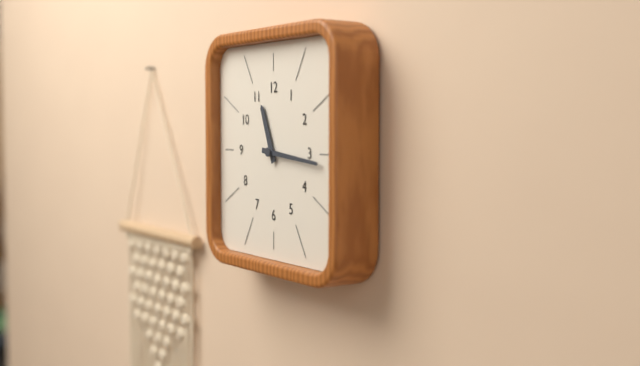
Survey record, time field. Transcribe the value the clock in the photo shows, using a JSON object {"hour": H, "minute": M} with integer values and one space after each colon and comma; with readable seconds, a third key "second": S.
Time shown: {"hour": 11, "minute": 16}
